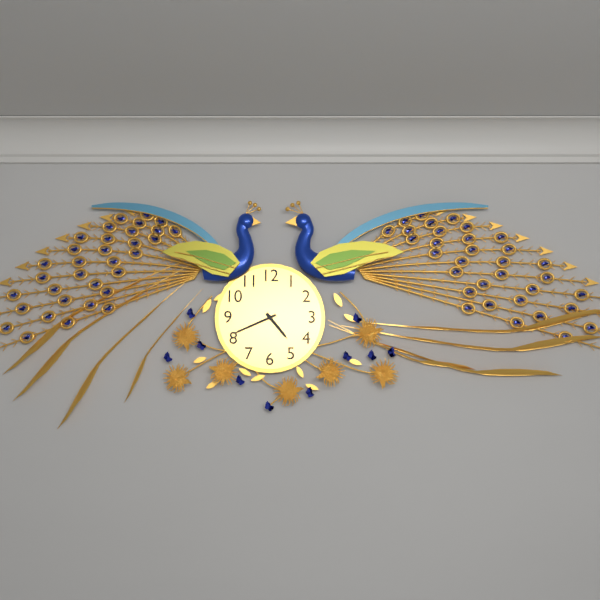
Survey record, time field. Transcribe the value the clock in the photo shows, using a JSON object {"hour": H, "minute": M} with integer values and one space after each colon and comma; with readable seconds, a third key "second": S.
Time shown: {"hour": 4, "minute": 41}
